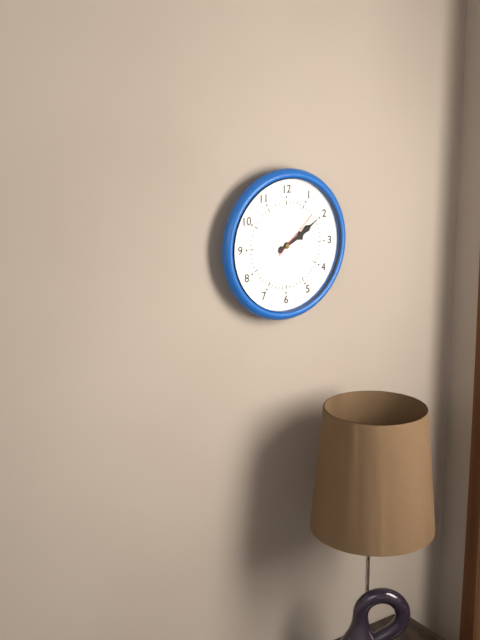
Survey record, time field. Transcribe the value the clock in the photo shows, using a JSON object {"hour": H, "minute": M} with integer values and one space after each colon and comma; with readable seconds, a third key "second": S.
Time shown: {"hour": 2, "minute": 10}
